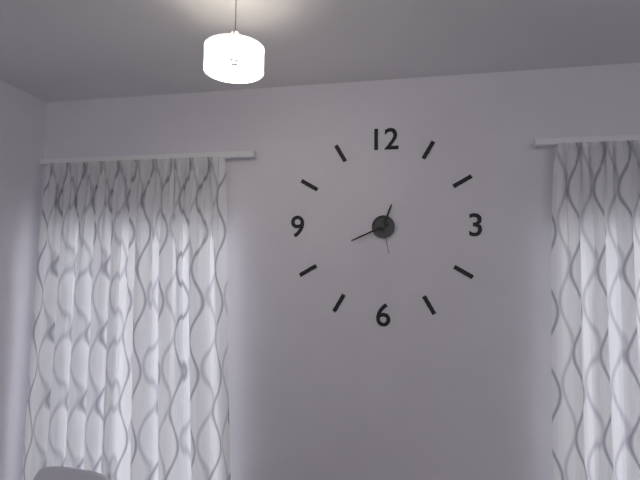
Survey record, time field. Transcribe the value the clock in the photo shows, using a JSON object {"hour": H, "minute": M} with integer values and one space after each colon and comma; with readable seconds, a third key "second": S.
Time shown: {"hour": 12, "minute": 41}
